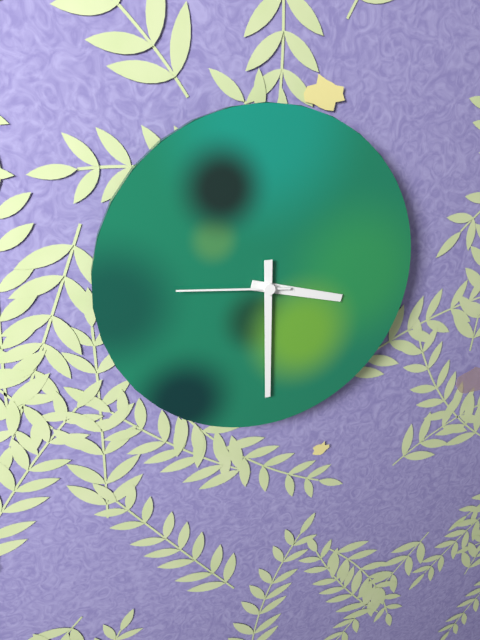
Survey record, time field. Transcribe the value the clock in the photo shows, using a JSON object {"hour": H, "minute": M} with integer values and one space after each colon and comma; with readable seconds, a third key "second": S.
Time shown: {"hour": 3, "minute": 30, "second": 46}
